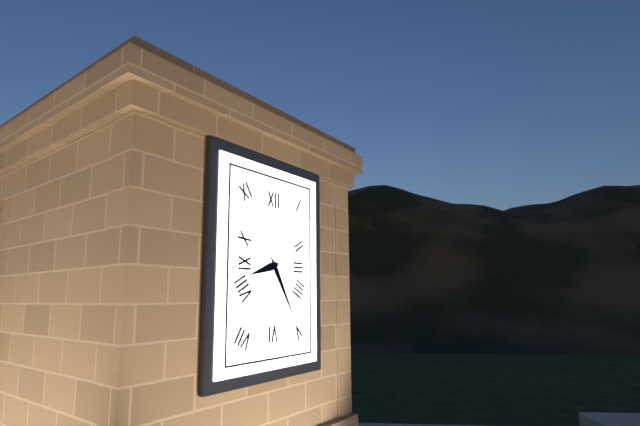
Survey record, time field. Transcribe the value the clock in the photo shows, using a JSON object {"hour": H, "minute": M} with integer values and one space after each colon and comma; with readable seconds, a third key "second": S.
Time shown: {"hour": 8, "minute": 25}
